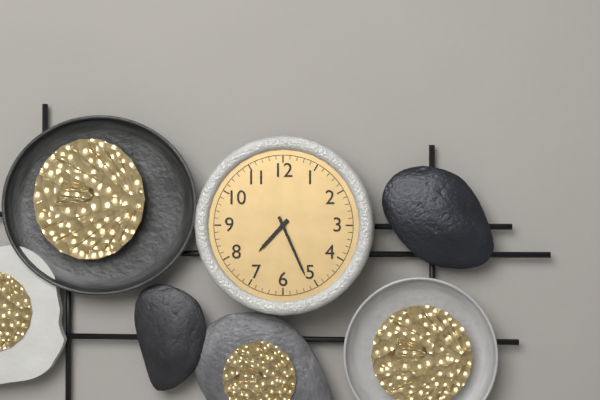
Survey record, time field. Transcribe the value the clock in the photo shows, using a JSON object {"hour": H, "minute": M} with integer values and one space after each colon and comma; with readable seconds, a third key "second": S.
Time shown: {"hour": 7, "minute": 26}
